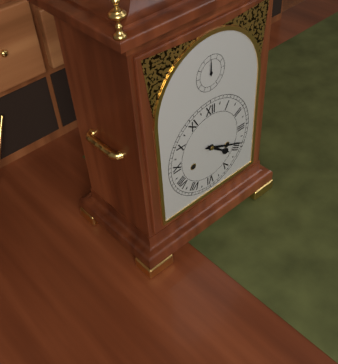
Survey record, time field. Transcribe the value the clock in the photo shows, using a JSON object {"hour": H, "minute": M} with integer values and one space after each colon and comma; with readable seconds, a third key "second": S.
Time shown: {"hour": 4, "minute": 19}
